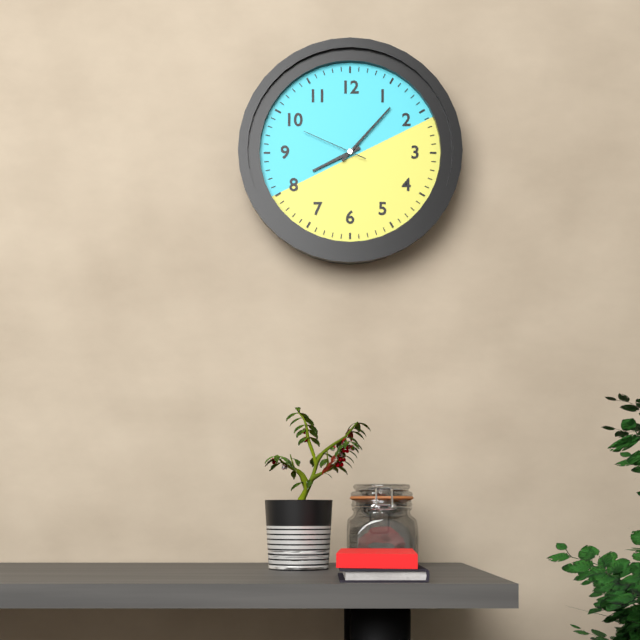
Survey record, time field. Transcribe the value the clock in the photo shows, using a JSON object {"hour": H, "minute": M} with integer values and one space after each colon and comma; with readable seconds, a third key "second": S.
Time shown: {"hour": 8, "minute": 7, "second": 49}
